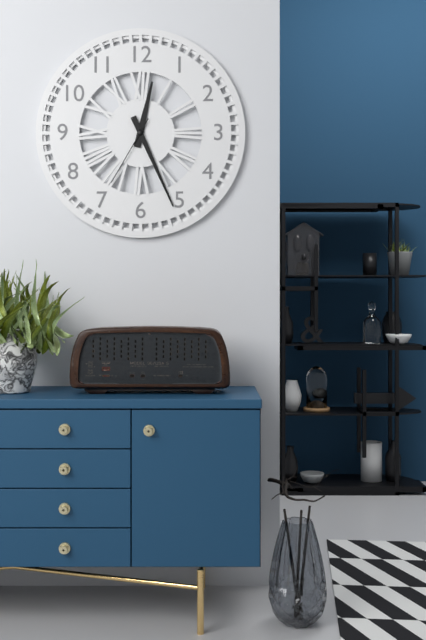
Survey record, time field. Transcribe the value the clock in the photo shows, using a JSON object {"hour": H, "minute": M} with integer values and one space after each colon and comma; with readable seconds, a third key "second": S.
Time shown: {"hour": 12, "minute": 26, "second": 35}
